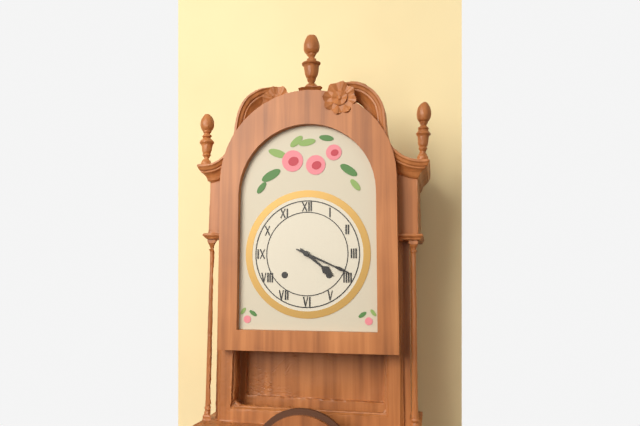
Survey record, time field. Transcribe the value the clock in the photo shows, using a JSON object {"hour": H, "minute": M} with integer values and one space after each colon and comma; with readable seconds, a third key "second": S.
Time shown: {"hour": 4, "minute": 19}
